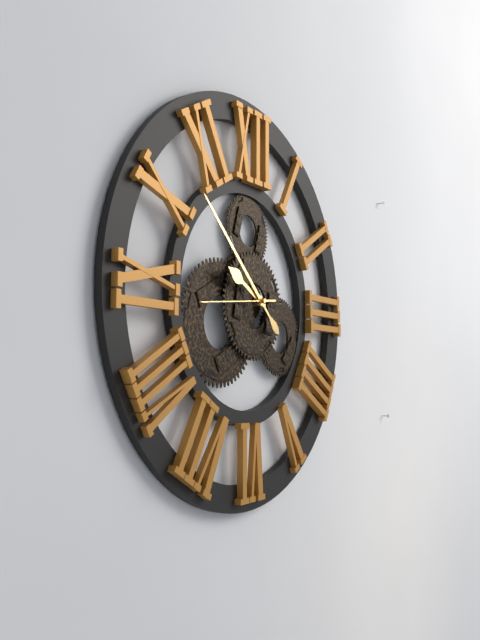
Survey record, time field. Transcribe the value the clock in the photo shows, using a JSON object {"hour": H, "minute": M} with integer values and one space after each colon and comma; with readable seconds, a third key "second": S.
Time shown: {"hour": 9, "minute": 52, "second": 44}
